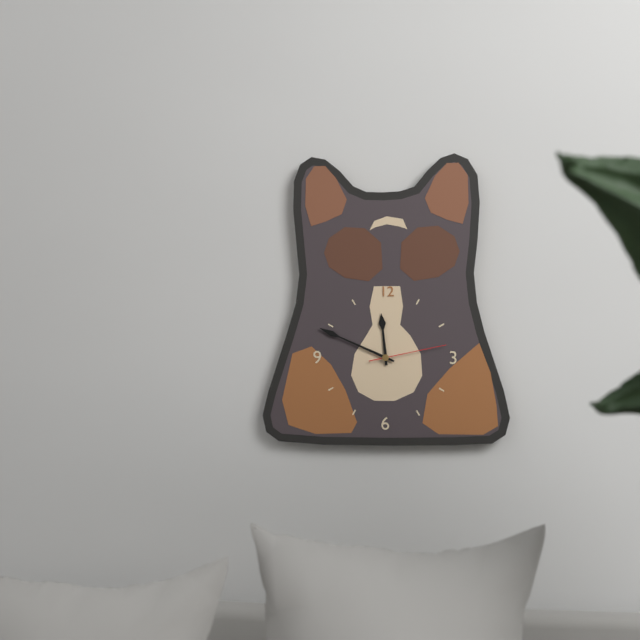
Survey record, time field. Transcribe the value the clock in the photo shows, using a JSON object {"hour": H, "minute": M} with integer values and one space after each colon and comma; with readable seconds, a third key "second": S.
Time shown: {"hour": 11, "minute": 49, "second": 13}
